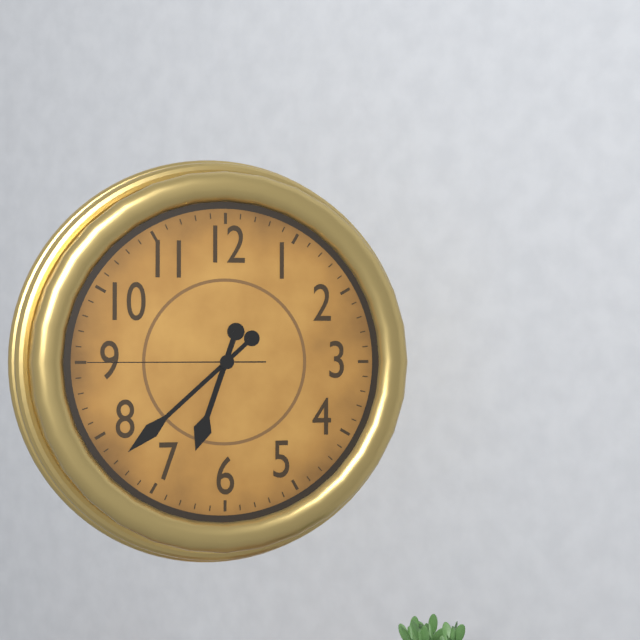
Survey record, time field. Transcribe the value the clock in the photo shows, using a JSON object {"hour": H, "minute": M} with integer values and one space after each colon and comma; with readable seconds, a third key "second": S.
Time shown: {"hour": 6, "minute": 38, "second": 45}
